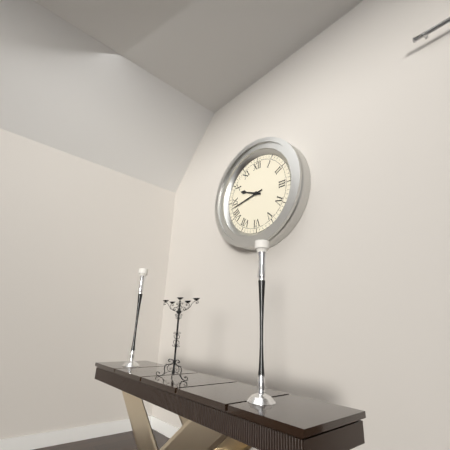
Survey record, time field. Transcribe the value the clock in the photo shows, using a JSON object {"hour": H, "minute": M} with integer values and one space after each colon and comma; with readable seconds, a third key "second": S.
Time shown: {"hour": 9, "minute": 43}
